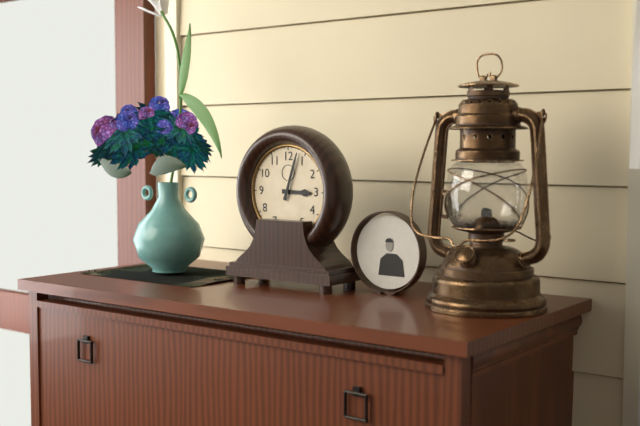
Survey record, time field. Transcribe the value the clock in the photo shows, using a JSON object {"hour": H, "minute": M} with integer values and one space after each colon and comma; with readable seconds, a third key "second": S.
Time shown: {"hour": 3, "minute": 3}
